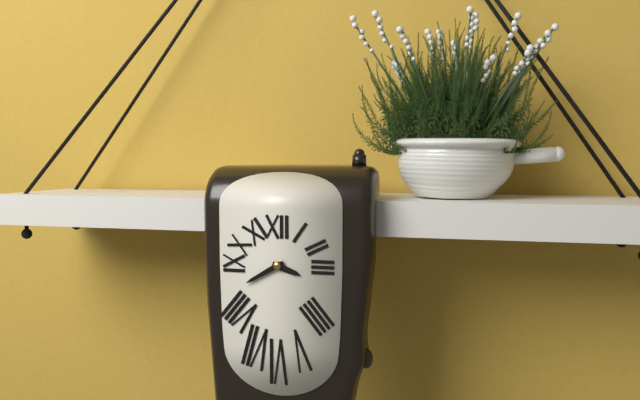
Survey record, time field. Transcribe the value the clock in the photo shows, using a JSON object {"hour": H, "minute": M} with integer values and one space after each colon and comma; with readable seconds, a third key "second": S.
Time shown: {"hour": 3, "minute": 40}
